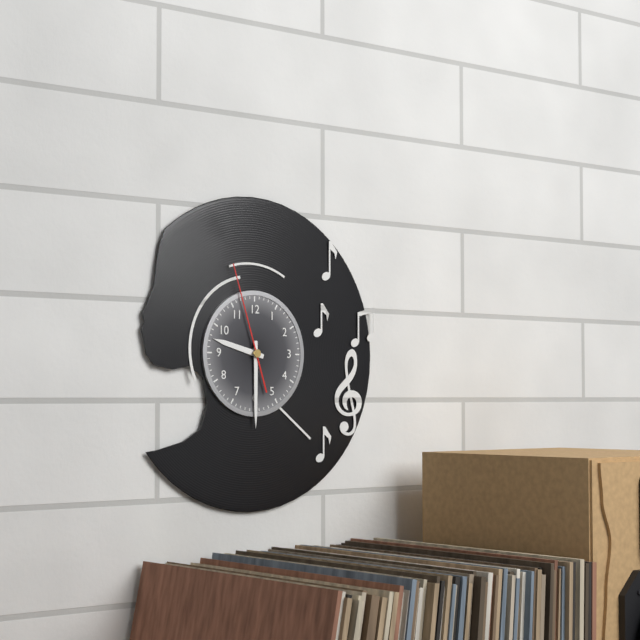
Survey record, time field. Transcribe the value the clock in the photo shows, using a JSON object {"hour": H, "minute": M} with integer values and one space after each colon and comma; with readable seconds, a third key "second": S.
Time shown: {"hour": 9, "minute": 30, "second": 57}
